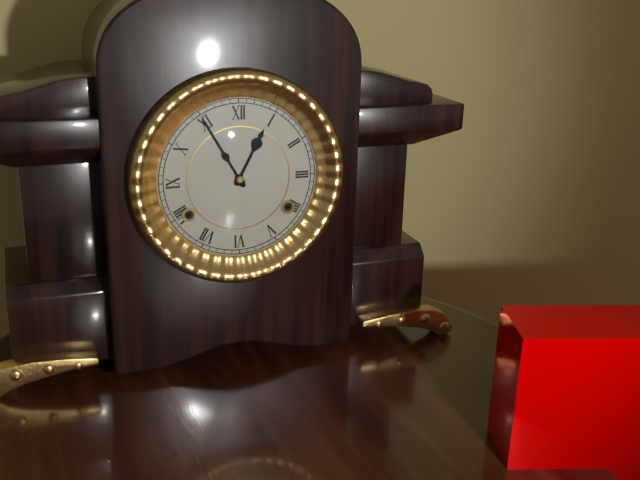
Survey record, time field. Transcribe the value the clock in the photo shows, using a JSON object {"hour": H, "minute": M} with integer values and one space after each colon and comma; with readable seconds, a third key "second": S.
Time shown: {"hour": 12, "minute": 55}
